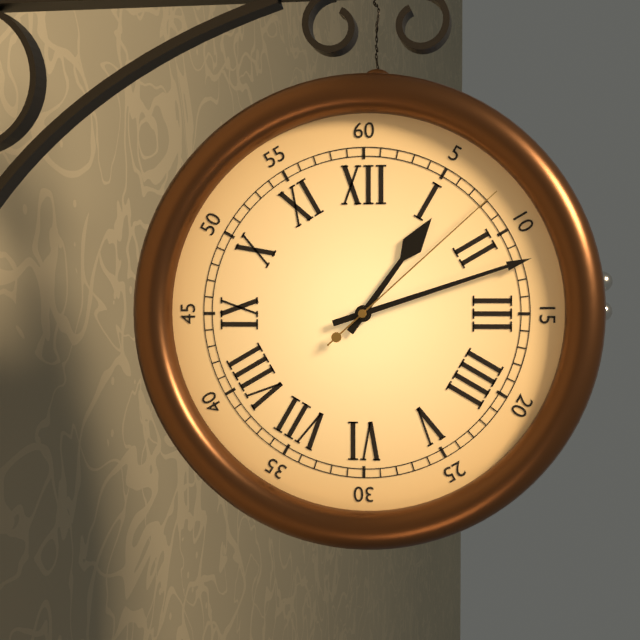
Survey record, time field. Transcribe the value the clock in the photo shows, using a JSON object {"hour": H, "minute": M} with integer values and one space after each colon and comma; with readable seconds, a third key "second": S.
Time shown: {"hour": 1, "minute": 12, "second": 8}
